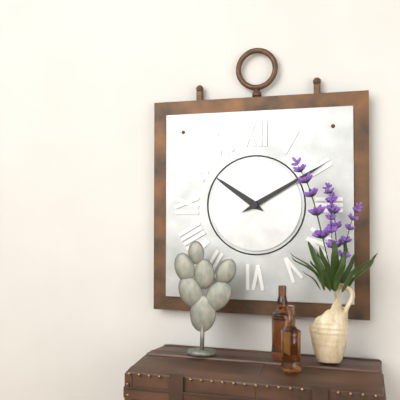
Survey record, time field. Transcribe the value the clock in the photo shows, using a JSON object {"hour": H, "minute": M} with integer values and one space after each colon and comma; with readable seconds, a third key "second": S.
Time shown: {"hour": 10, "minute": 10}
